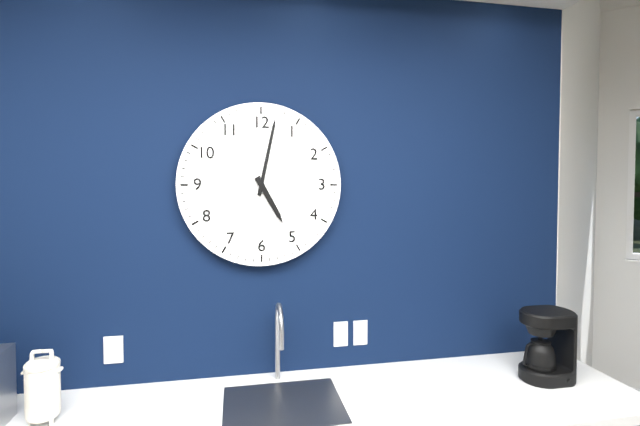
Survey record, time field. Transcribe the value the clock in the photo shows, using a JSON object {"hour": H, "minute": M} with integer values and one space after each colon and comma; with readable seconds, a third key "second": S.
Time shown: {"hour": 5, "minute": 2}
